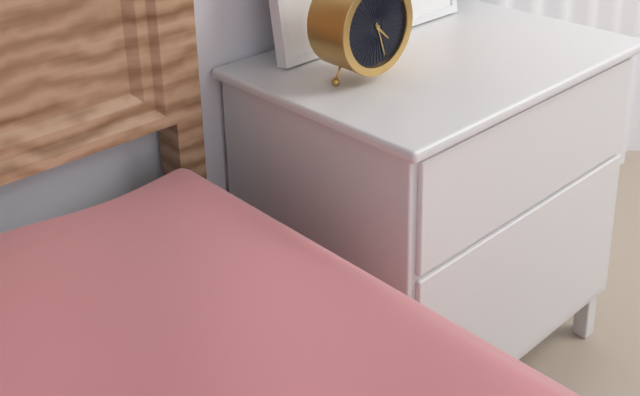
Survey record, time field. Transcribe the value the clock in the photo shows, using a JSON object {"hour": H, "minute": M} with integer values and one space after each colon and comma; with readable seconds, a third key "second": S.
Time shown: {"hour": 4, "minute": 27}
